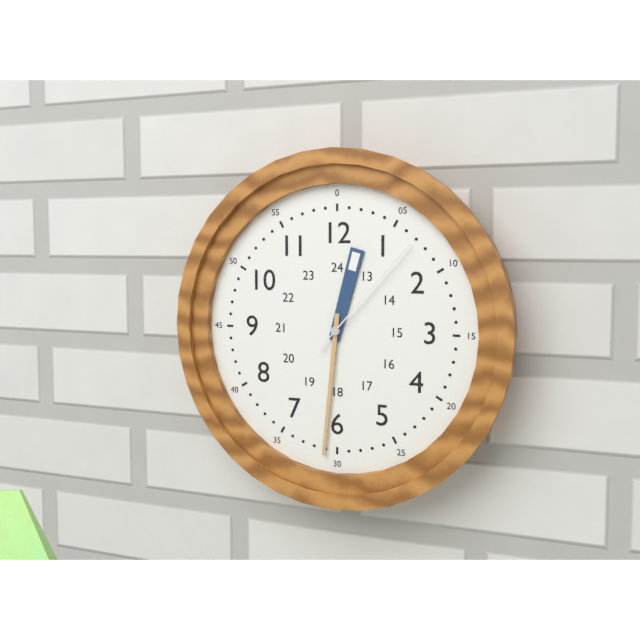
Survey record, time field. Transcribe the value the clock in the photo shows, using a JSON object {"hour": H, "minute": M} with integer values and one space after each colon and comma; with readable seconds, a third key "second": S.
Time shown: {"hour": 12, "minute": 31, "second": 7}
